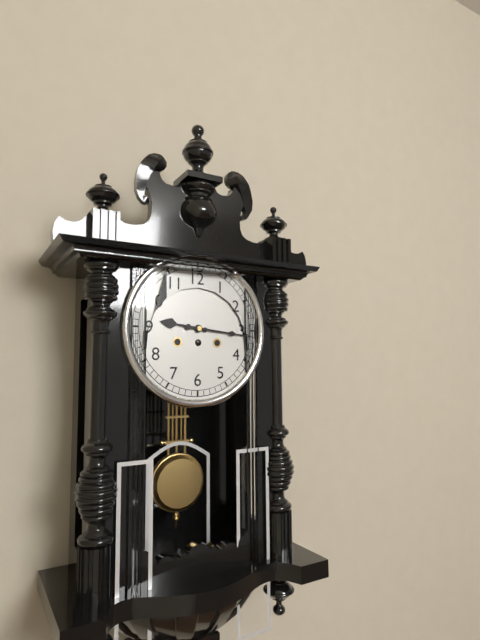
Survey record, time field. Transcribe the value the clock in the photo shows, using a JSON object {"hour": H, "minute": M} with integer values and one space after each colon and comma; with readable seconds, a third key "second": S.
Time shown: {"hour": 9, "minute": 16}
